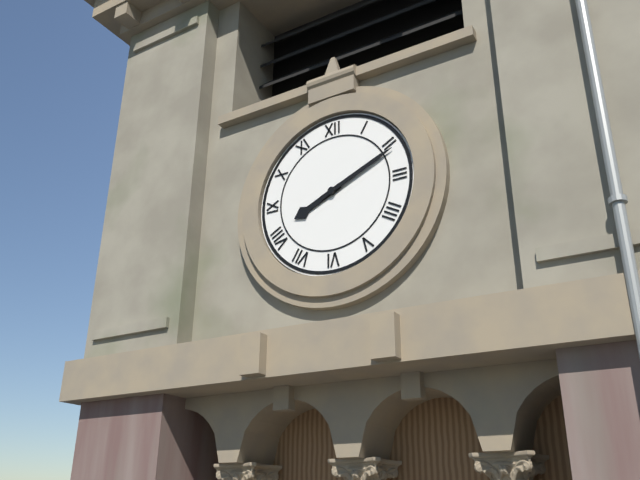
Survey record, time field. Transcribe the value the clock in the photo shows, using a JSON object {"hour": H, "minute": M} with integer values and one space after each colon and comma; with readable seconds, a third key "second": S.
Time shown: {"hour": 8, "minute": 11}
